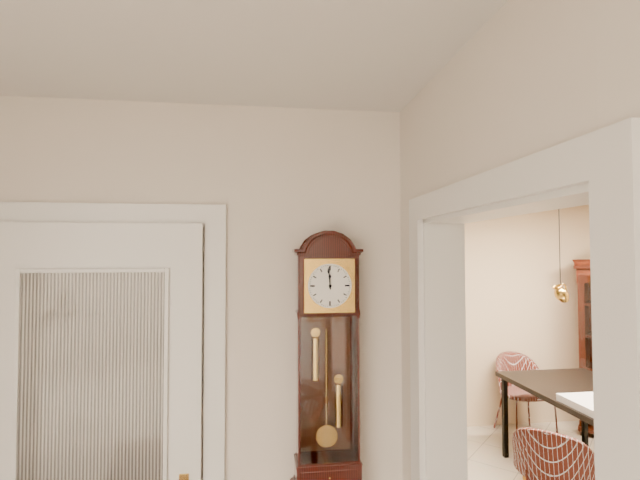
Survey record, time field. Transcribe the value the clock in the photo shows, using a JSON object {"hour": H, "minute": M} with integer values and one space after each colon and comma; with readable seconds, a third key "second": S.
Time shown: {"hour": 11, "minute": 59}
